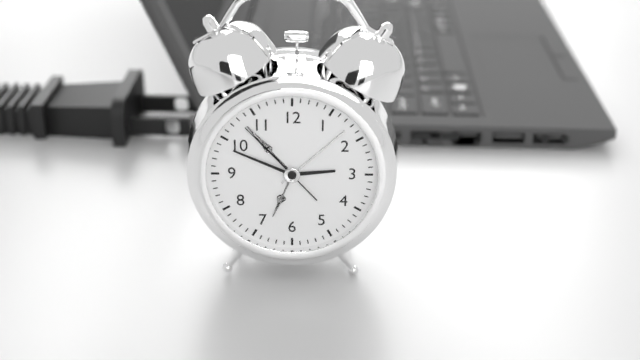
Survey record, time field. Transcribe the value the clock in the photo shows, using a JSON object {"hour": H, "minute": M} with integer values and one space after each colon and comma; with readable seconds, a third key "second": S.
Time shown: {"hour": 2, "minute": 49, "second": 53}
